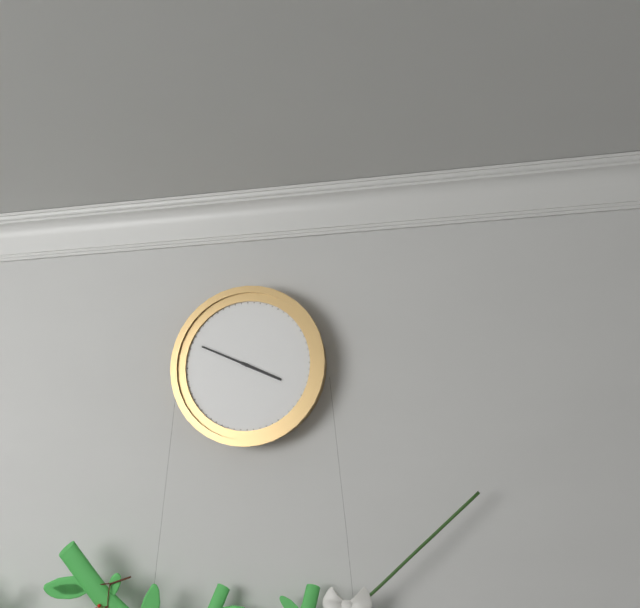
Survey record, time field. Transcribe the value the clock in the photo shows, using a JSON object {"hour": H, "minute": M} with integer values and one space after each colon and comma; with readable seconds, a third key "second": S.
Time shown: {"hour": 3, "minute": 49}
